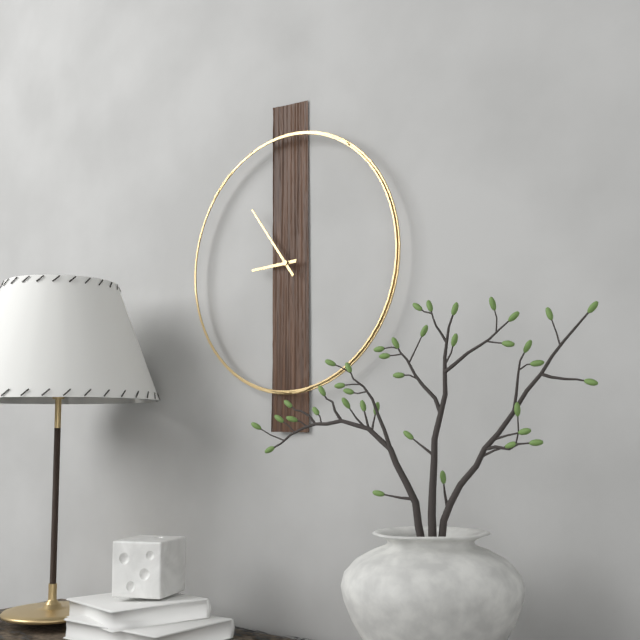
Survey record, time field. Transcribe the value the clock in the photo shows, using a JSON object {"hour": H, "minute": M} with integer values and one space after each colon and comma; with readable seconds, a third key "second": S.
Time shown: {"hour": 8, "minute": 54}
